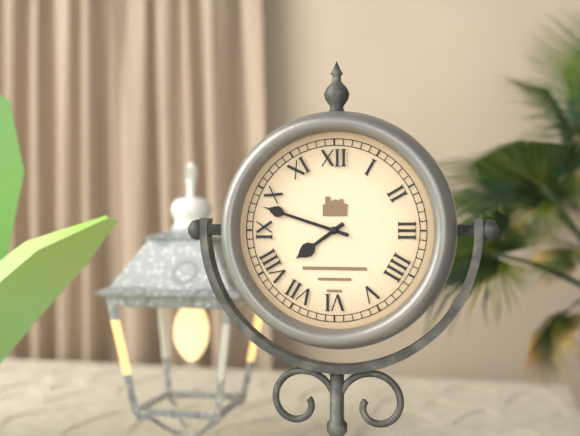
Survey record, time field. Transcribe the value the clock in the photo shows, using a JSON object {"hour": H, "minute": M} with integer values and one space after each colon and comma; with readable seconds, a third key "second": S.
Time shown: {"hour": 7, "minute": 48}
